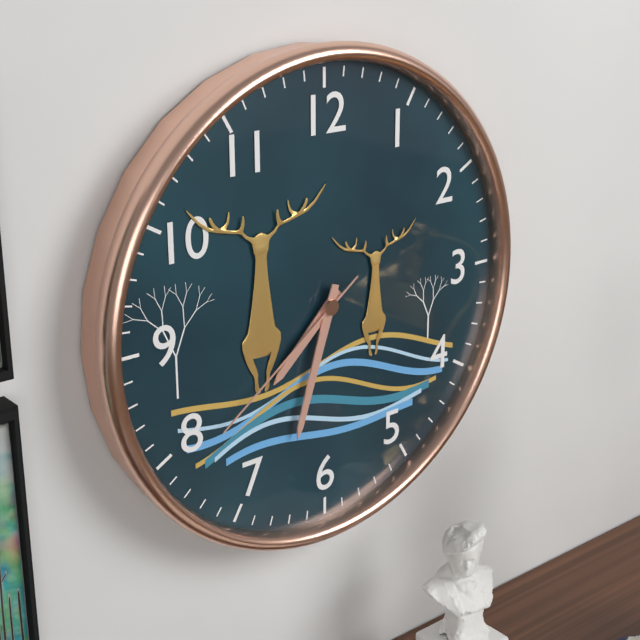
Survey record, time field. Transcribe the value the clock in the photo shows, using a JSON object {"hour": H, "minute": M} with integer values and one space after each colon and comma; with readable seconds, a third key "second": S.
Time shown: {"hour": 7, "minute": 33, "second": 39}
